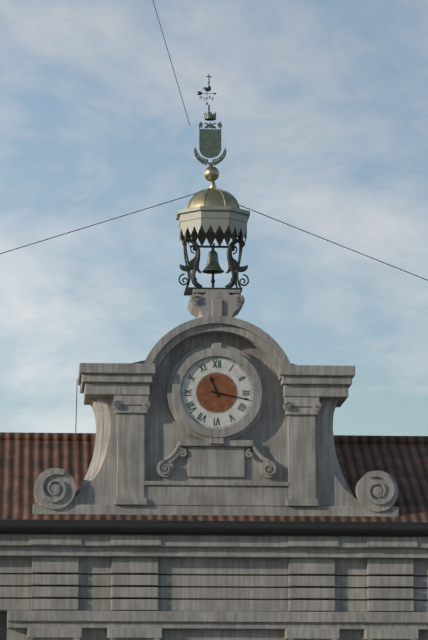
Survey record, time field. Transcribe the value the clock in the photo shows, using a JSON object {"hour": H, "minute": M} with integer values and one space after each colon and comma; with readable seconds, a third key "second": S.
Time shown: {"hour": 11, "minute": 17}
